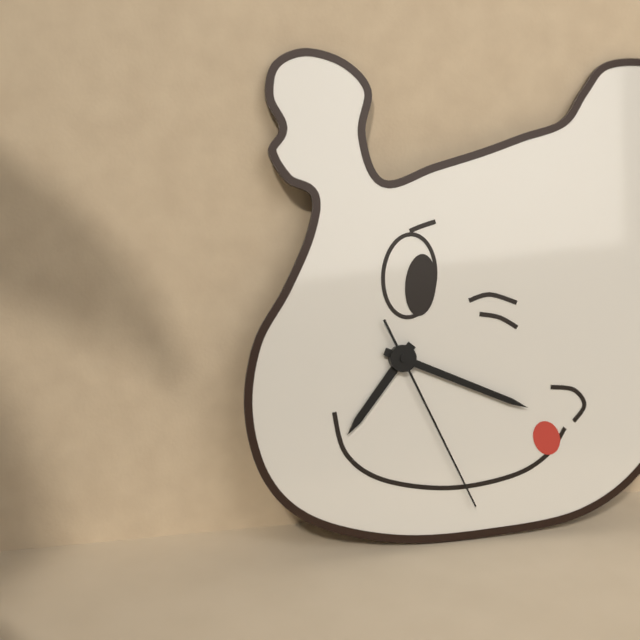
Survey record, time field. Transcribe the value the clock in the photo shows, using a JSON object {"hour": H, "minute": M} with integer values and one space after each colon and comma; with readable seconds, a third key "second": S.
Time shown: {"hour": 7, "minute": 19, "second": 26}
